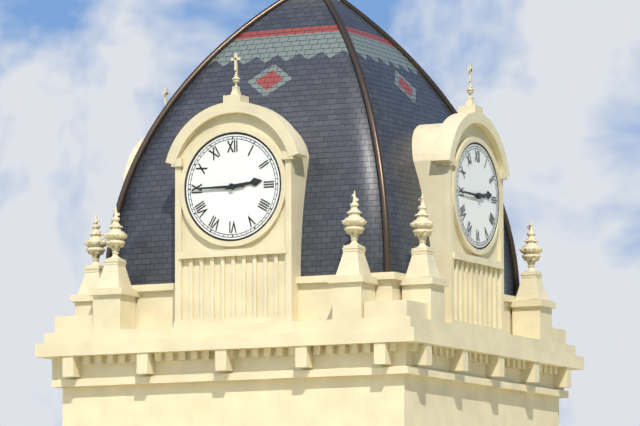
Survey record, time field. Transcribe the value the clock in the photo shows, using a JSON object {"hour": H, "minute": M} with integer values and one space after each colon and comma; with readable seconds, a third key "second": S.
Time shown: {"hour": 2, "minute": 45}
